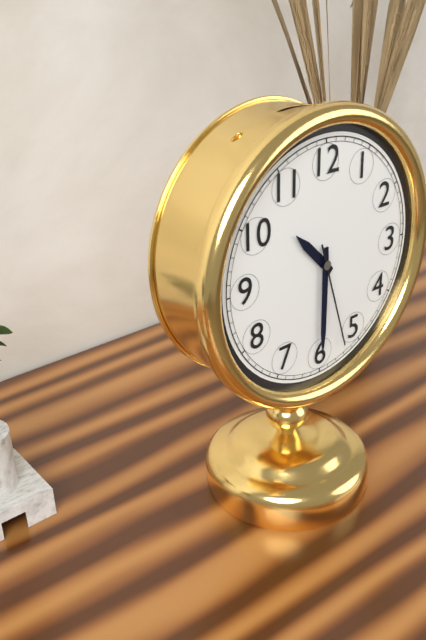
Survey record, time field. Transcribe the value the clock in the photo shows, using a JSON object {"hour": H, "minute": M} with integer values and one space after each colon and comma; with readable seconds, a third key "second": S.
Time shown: {"hour": 10, "minute": 30, "second": 27}
